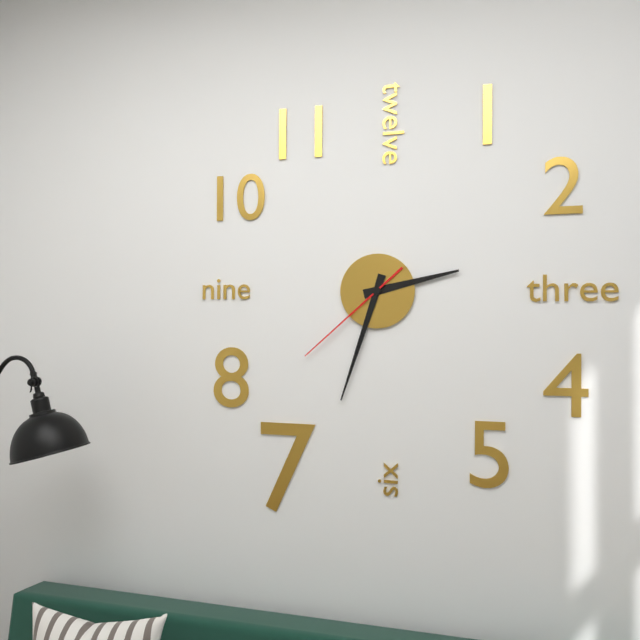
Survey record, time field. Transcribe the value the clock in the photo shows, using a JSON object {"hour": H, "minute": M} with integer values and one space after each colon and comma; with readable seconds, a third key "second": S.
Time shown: {"hour": 2, "minute": 33, "second": 38}
